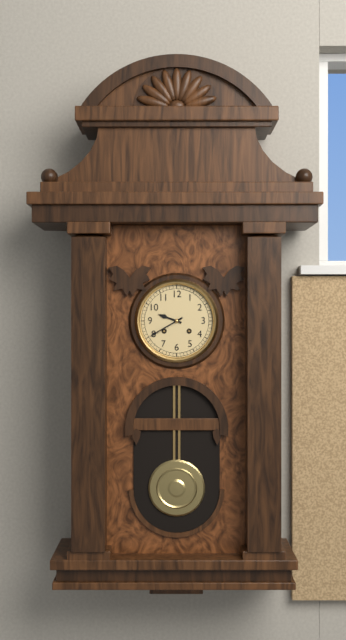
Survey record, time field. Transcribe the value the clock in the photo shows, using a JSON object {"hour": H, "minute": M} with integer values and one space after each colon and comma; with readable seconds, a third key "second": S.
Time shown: {"hour": 9, "minute": 40}
